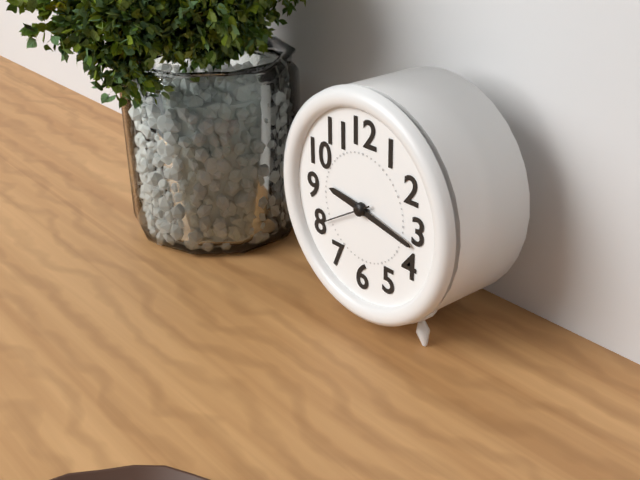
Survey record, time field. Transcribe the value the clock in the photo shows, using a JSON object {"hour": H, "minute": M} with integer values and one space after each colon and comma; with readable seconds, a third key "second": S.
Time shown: {"hour": 9, "minute": 17}
